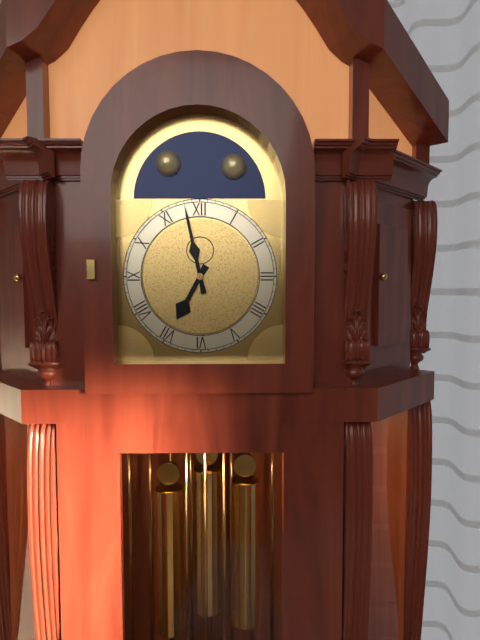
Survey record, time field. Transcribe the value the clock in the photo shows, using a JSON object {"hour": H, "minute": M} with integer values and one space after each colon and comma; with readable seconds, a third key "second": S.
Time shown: {"hour": 6, "minute": 58}
